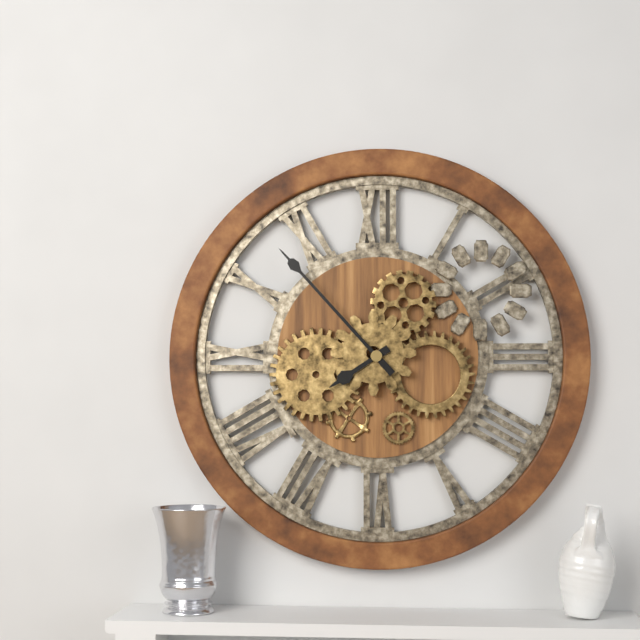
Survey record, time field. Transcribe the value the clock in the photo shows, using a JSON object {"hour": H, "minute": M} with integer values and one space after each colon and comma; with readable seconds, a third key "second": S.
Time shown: {"hour": 7, "minute": 53}
